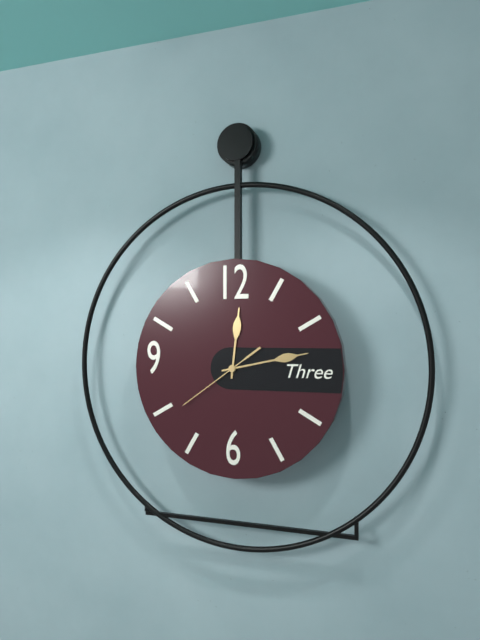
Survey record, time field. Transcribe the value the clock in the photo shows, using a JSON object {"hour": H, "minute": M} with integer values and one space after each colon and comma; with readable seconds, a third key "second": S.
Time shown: {"hour": 12, "minute": 13, "second": 39}
